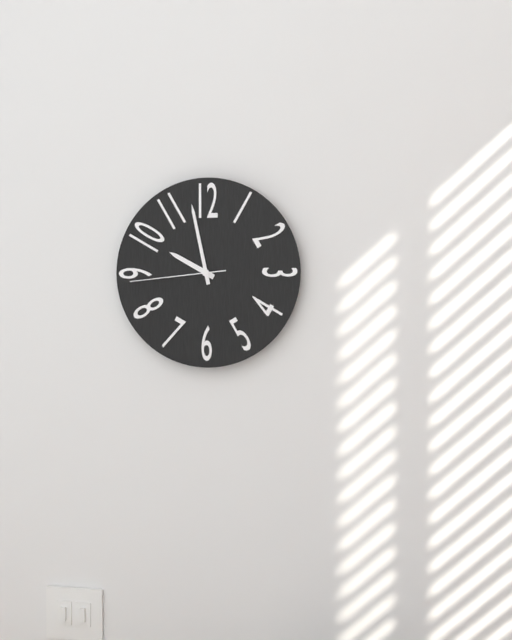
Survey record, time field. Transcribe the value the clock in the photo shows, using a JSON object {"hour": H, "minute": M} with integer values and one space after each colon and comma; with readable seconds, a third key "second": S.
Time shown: {"hour": 9, "minute": 58, "second": 44}
